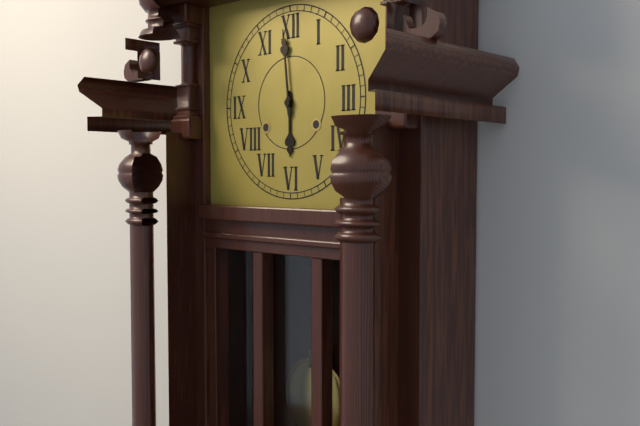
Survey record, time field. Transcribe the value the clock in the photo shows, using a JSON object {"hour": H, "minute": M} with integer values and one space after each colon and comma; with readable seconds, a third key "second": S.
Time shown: {"hour": 5, "minute": 59}
